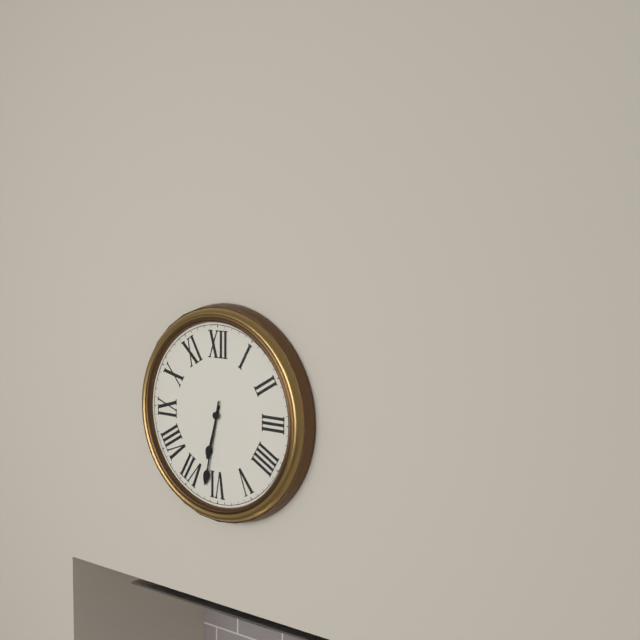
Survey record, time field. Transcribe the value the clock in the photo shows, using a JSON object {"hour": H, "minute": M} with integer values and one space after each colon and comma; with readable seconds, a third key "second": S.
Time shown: {"hour": 6, "minute": 32}
